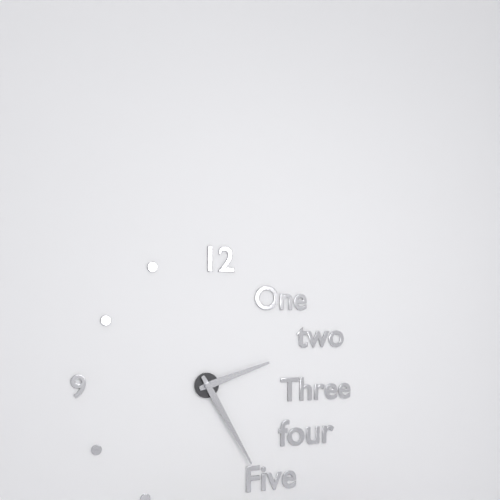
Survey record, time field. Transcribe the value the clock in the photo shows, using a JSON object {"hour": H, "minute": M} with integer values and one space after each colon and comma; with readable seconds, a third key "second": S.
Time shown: {"hour": 2, "minute": 25}
